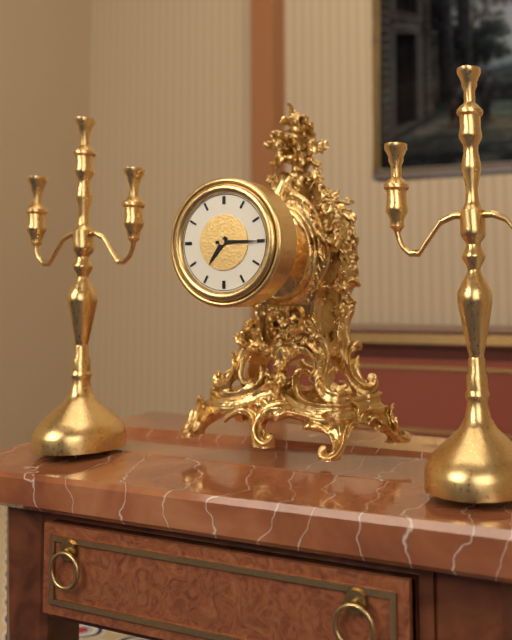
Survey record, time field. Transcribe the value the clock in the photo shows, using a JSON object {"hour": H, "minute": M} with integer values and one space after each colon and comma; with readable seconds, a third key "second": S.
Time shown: {"hour": 7, "minute": 15}
